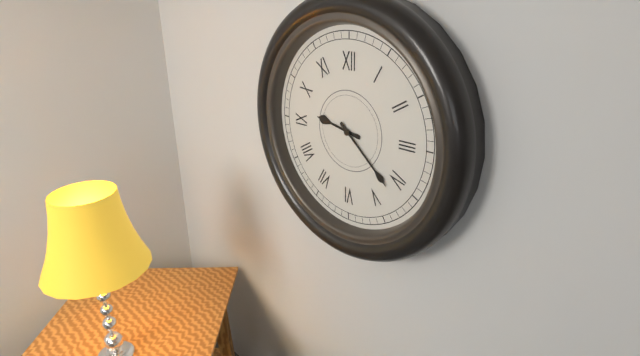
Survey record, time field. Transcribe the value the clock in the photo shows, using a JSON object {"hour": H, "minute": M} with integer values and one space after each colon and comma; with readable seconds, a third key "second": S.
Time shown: {"hour": 9, "minute": 22}
